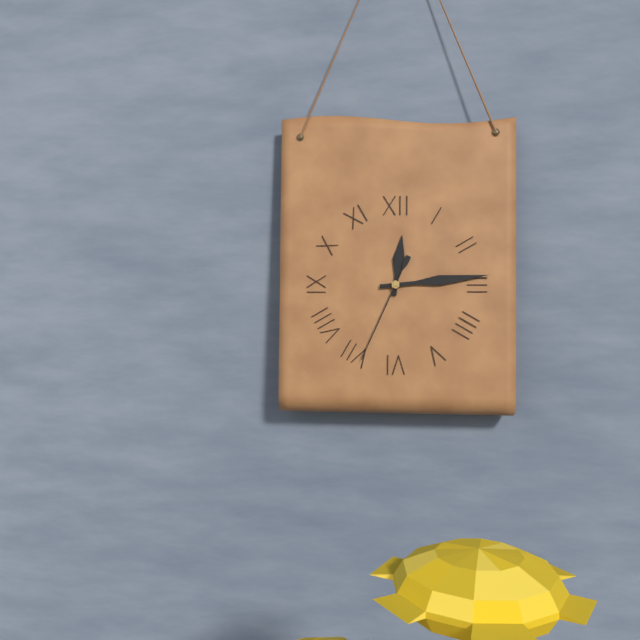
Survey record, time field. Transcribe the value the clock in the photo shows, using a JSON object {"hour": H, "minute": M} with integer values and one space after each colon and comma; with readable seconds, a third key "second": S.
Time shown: {"hour": 12, "minute": 14, "second": 34}
